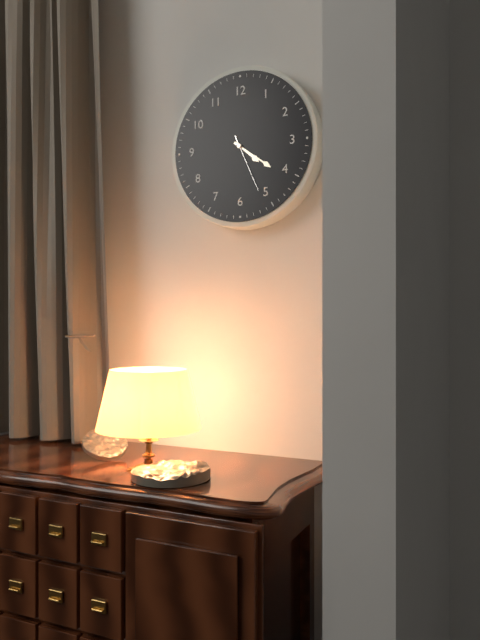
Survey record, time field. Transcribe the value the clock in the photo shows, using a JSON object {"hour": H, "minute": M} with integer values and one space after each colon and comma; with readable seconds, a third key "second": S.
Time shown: {"hour": 4, "minute": 21, "second": 26}
